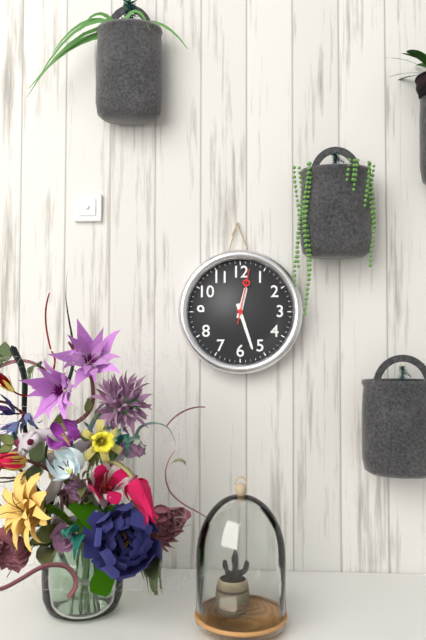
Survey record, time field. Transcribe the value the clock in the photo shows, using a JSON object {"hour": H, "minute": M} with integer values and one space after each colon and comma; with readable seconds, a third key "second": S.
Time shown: {"hour": 12, "minute": 27, "second": 2}
